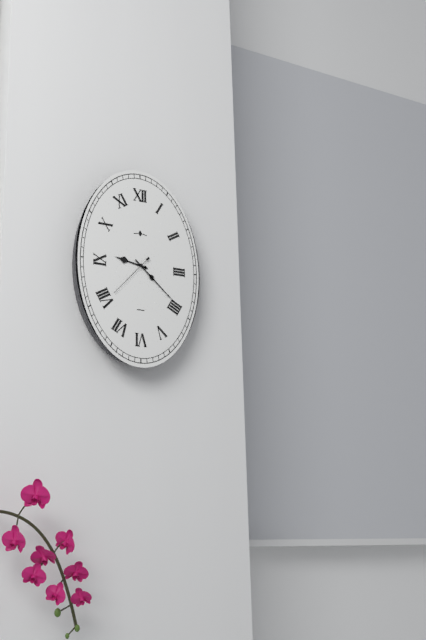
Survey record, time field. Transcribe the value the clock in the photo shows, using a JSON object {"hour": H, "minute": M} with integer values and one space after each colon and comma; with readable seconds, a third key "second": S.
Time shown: {"hour": 9, "minute": 22}
